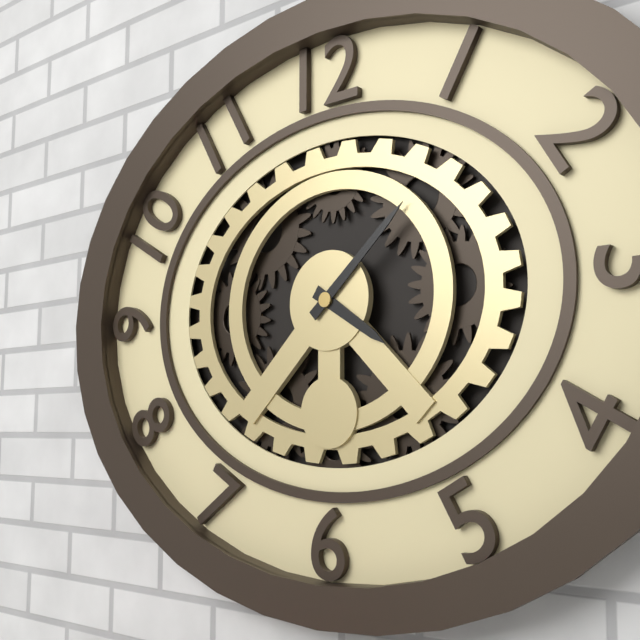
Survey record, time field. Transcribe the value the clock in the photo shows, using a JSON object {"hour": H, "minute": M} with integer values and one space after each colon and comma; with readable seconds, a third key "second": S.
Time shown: {"hour": 4, "minute": 8}
